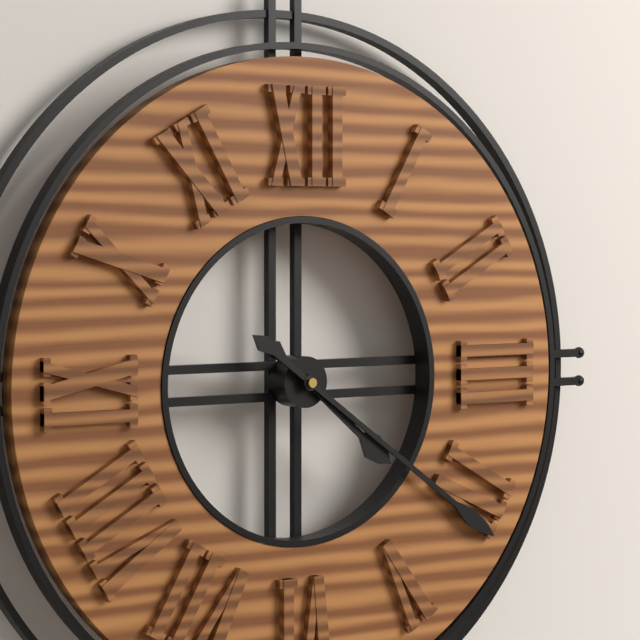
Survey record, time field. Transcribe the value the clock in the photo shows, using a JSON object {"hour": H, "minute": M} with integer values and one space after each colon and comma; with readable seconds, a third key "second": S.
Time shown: {"hour": 4, "minute": 21}
